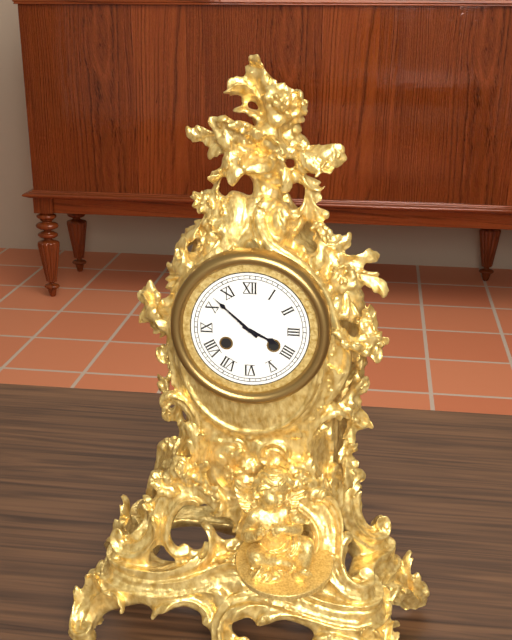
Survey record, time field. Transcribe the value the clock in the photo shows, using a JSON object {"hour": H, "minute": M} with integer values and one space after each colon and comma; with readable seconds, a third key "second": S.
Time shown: {"hour": 3, "minute": 52}
